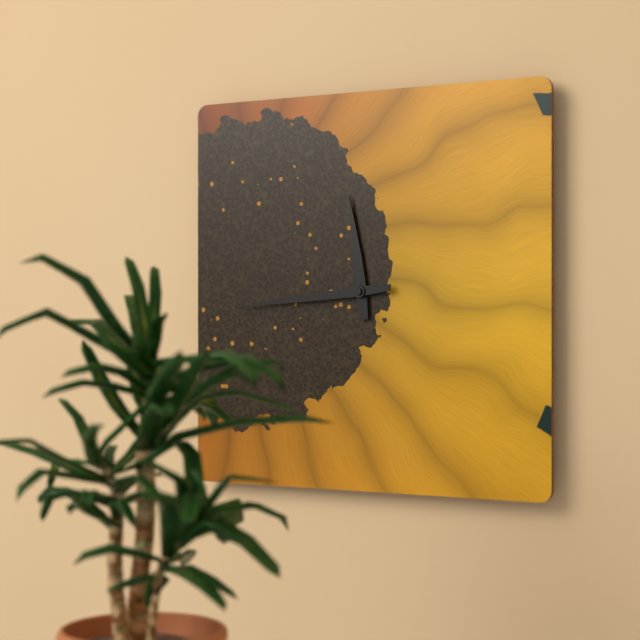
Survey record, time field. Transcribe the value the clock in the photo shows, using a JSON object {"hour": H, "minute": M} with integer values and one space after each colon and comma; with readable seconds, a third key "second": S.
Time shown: {"hour": 11, "minute": 44}
